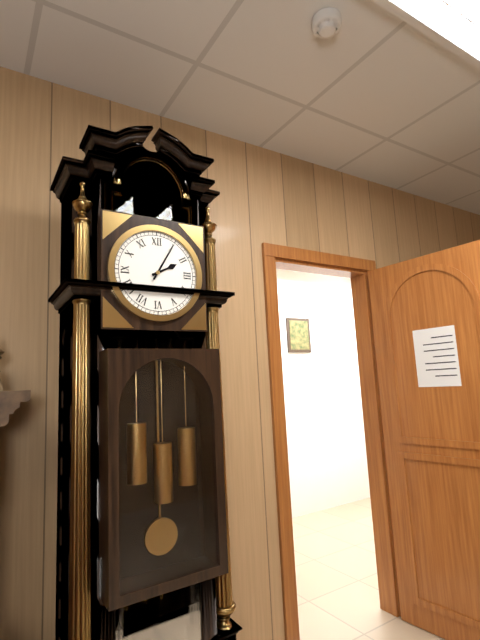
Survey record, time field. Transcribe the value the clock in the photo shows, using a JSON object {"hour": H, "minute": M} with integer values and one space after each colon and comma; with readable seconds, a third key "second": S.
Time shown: {"hour": 2, "minute": 5}
